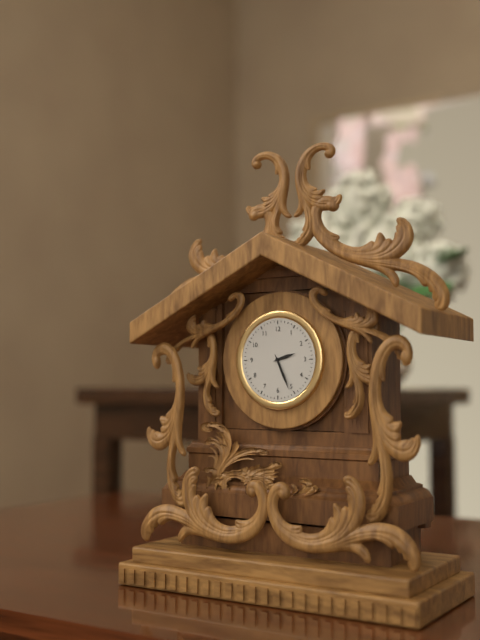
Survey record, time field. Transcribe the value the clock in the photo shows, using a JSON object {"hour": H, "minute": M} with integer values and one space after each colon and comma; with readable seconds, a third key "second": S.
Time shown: {"hour": 2, "minute": 26}
